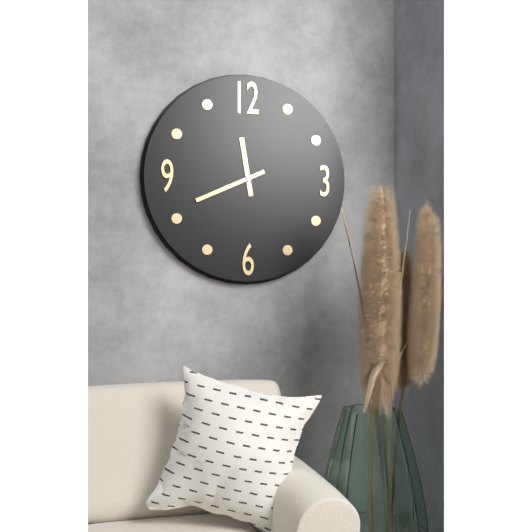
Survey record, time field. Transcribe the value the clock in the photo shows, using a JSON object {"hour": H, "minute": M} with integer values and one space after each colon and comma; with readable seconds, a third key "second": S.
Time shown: {"hour": 11, "minute": 41}
